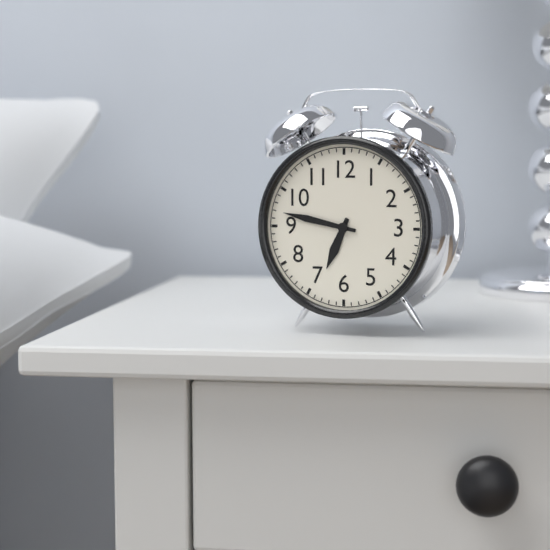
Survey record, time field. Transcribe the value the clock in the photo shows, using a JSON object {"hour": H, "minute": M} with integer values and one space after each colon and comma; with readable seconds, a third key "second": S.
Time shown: {"hour": 6, "minute": 47}
